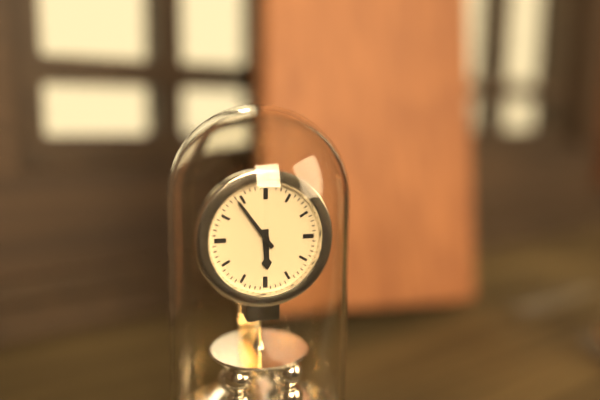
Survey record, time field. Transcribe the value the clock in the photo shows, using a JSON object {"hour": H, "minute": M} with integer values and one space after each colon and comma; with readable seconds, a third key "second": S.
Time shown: {"hour": 5, "minute": 54}
